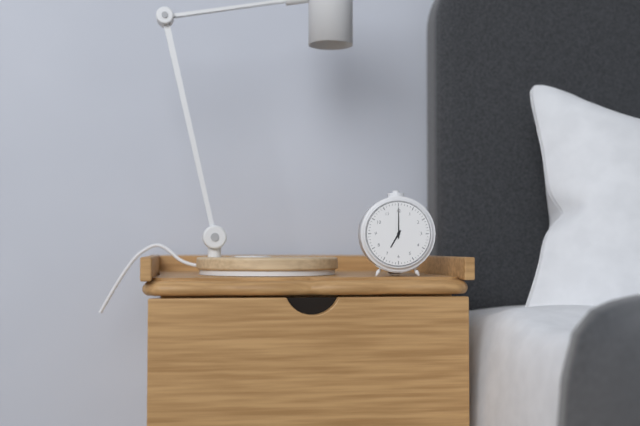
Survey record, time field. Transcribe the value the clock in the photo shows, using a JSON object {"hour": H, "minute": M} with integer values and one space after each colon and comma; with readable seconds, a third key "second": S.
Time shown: {"hour": 7, "minute": 0}
